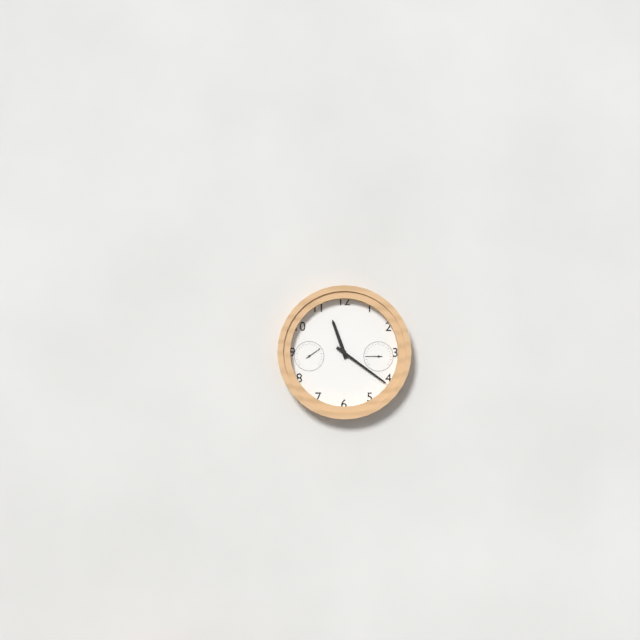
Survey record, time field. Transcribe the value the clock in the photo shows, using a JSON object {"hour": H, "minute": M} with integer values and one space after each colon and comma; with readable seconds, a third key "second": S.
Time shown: {"hour": 11, "minute": 21}
